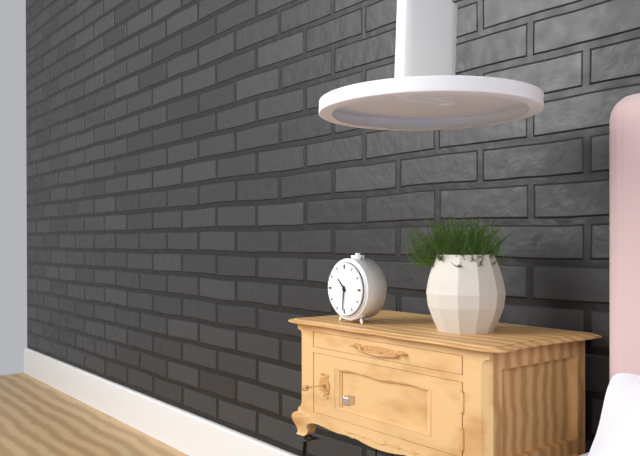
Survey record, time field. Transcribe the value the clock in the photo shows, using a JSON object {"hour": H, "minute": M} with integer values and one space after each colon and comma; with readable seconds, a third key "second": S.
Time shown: {"hour": 10, "minute": 31}
